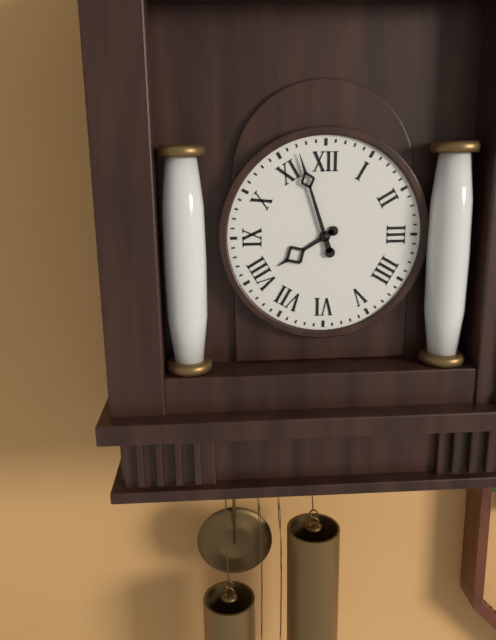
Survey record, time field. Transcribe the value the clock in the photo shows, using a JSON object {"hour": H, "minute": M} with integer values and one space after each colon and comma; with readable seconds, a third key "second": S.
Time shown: {"hour": 7, "minute": 57}
